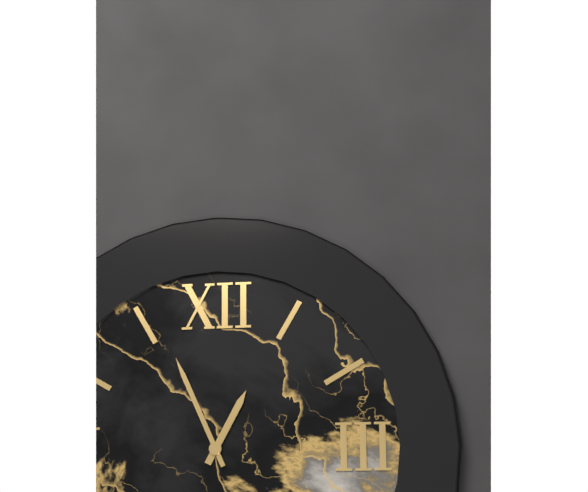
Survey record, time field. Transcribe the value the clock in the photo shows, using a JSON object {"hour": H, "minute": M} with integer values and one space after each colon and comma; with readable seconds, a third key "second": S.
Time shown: {"hour": 12, "minute": 56}
